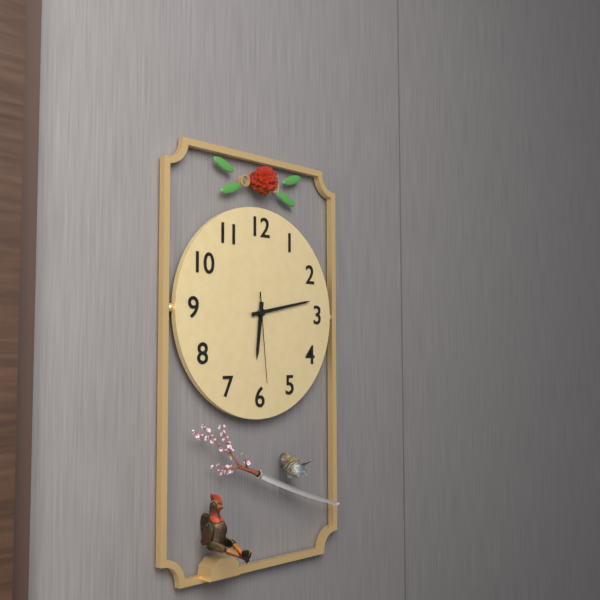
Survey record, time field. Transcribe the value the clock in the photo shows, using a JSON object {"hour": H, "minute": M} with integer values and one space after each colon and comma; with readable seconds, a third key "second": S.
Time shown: {"hour": 6, "minute": 13, "second": 29}
